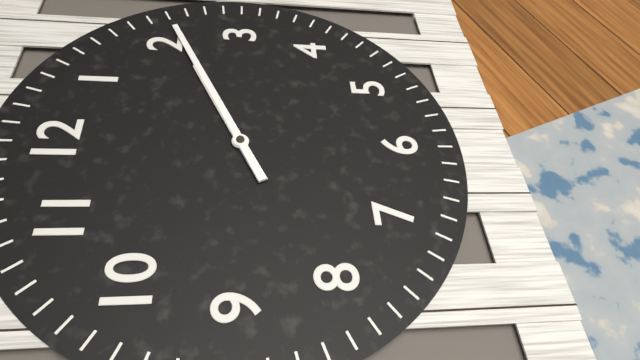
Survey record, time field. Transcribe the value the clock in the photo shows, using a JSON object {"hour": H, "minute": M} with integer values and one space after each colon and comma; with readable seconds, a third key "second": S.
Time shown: {"hour": 2, "minute": 11}
